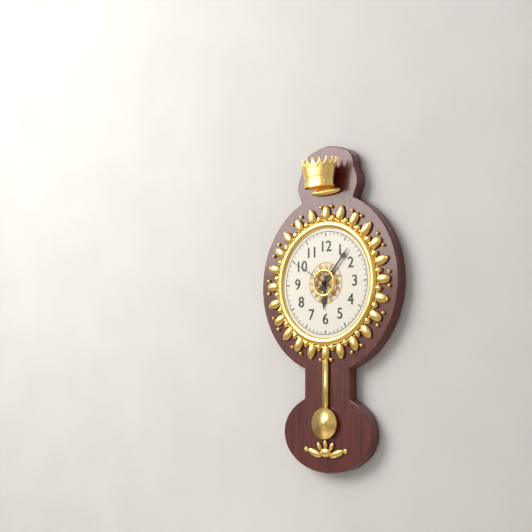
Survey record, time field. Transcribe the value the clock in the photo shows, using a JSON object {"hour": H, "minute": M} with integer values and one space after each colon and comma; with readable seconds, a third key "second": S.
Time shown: {"hour": 6, "minute": 7}
